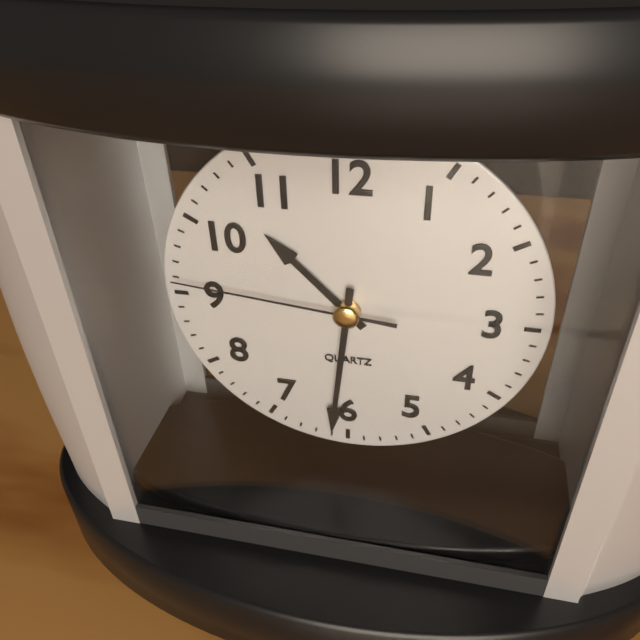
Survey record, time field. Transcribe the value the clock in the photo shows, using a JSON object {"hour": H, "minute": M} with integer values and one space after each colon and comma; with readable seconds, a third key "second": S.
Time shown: {"hour": 10, "minute": 31, "second": 46}
